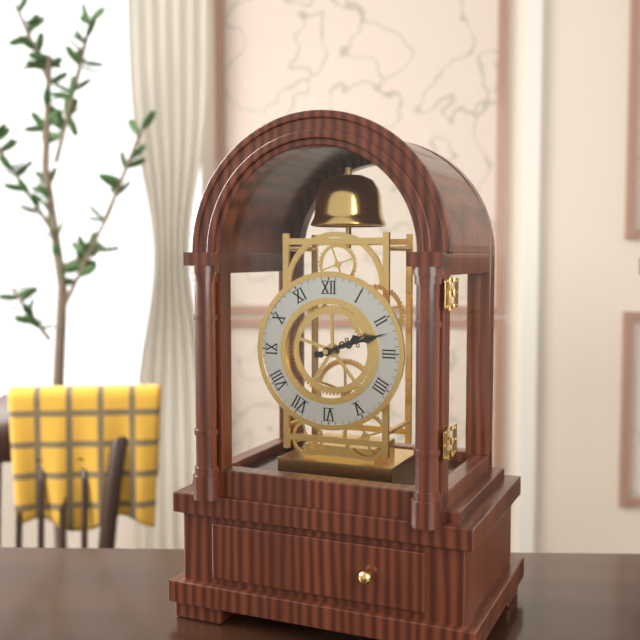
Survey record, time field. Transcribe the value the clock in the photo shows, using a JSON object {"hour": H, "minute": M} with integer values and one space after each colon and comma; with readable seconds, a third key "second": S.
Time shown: {"hour": 2, "minute": 12}
